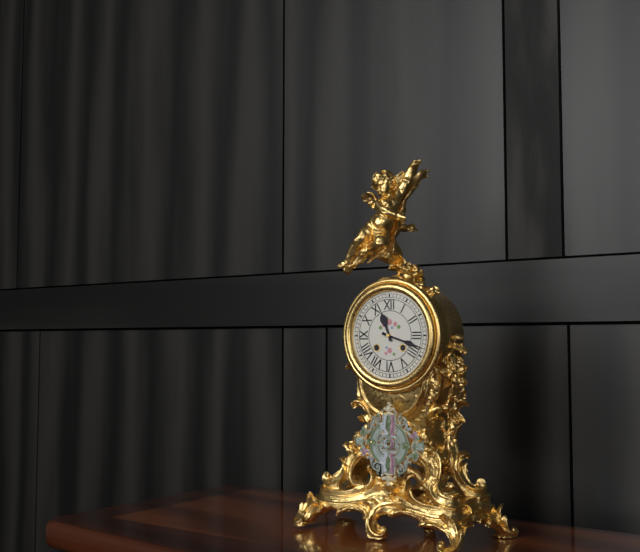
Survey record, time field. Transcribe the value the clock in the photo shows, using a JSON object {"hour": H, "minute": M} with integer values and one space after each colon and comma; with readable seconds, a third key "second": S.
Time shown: {"hour": 11, "minute": 18}
